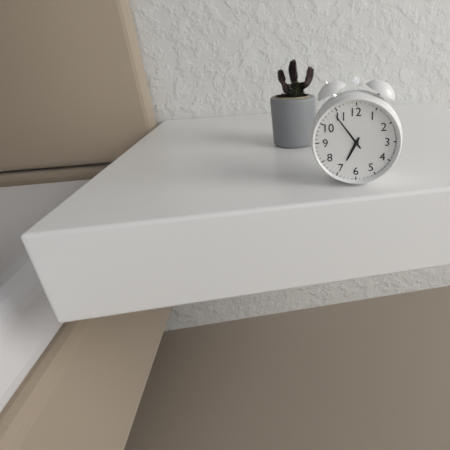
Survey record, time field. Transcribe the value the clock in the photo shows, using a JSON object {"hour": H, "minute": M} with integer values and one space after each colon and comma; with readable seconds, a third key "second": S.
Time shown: {"hour": 6, "minute": 54}
